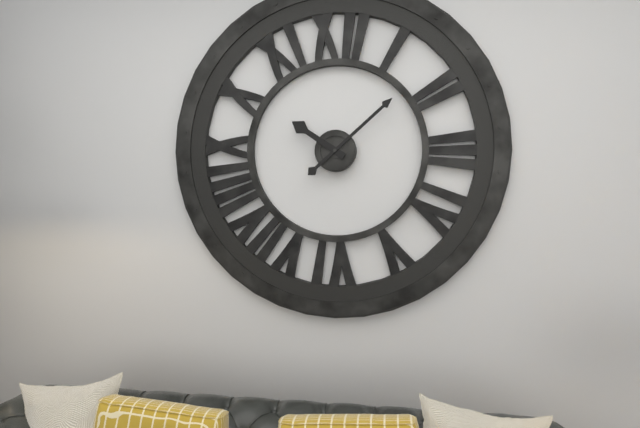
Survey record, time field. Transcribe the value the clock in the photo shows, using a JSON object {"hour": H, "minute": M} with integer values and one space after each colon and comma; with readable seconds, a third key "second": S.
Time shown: {"hour": 10, "minute": 8}
